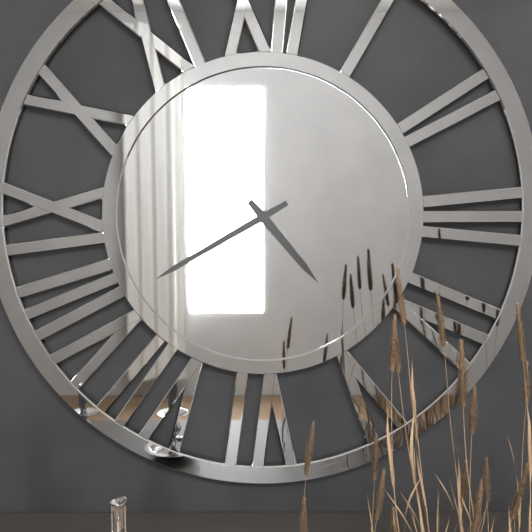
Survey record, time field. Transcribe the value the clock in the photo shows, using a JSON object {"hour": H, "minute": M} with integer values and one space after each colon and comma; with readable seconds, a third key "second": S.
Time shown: {"hour": 4, "minute": 40}
